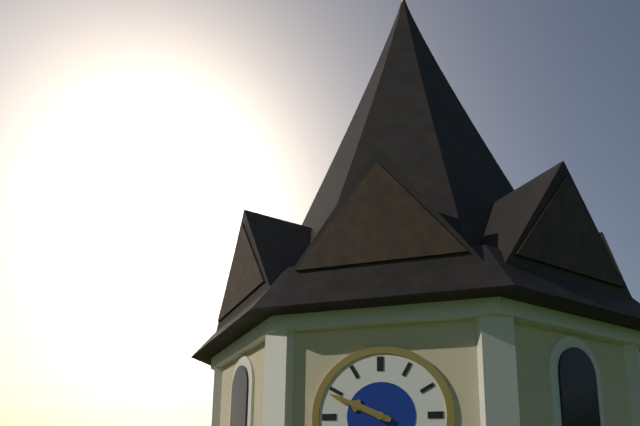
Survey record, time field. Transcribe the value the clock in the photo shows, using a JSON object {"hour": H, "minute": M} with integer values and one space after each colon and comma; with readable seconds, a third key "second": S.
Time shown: {"hour": 9, "minute": 49}
